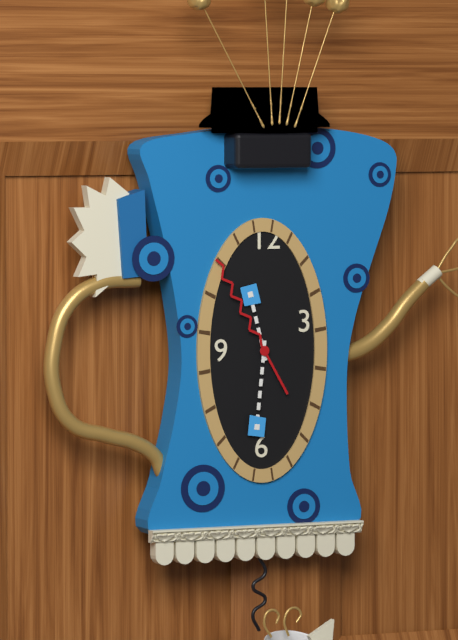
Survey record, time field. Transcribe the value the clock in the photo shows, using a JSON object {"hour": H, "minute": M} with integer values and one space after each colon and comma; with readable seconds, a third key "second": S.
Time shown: {"hour": 11, "minute": 31, "second": 55}
